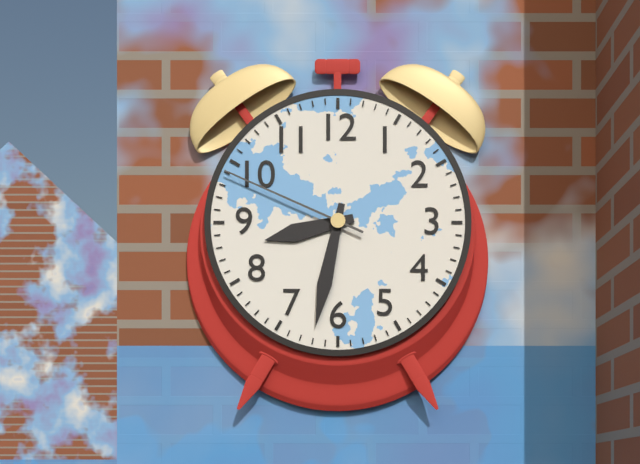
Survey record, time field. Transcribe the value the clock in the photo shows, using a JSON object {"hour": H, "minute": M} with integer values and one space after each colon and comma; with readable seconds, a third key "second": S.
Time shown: {"hour": 8, "minute": 32, "second": 49}
